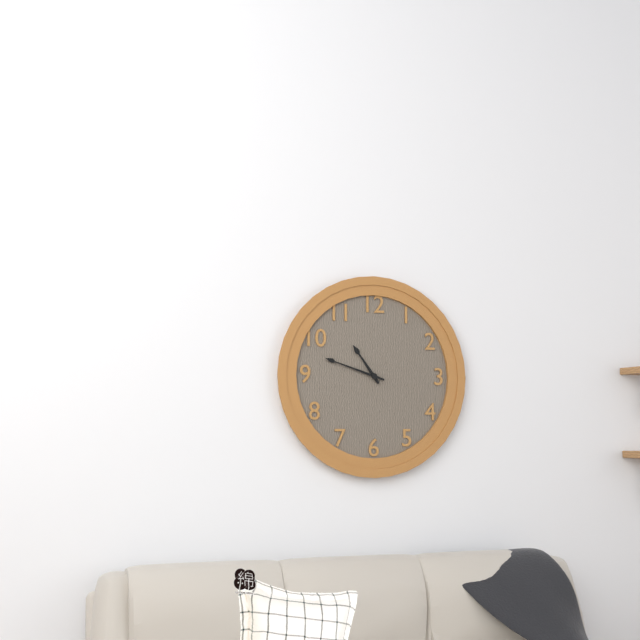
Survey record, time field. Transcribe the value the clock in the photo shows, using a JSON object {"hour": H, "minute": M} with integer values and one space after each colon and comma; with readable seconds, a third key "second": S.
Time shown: {"hour": 10, "minute": 48}
